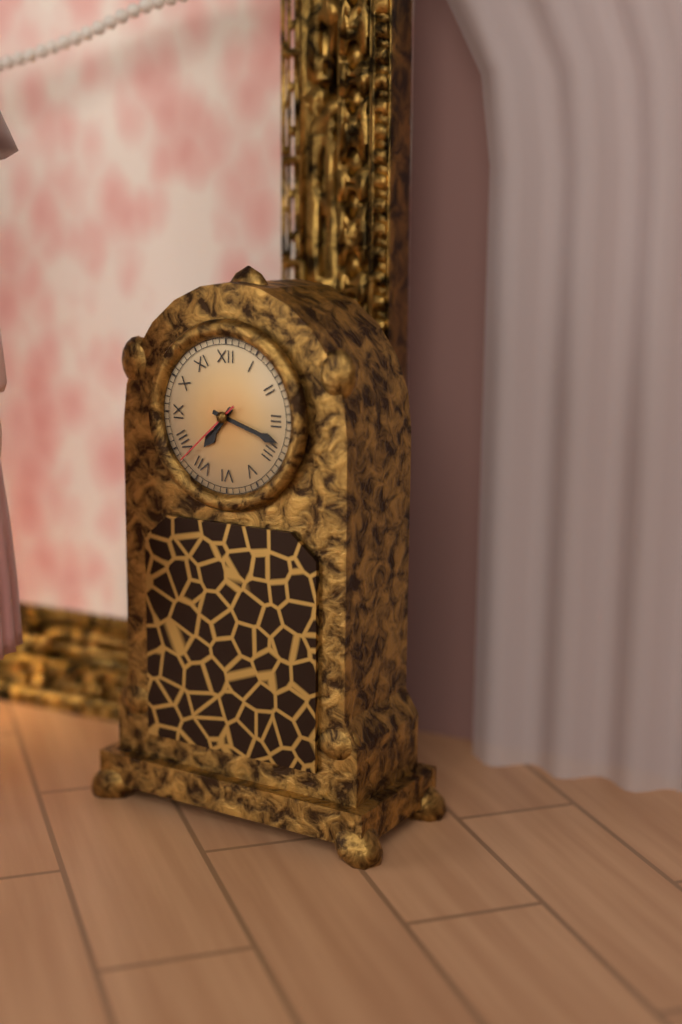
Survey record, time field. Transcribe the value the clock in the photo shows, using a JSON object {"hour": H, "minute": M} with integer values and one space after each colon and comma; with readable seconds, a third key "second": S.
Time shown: {"hour": 7, "minute": 18, "second": 38}
